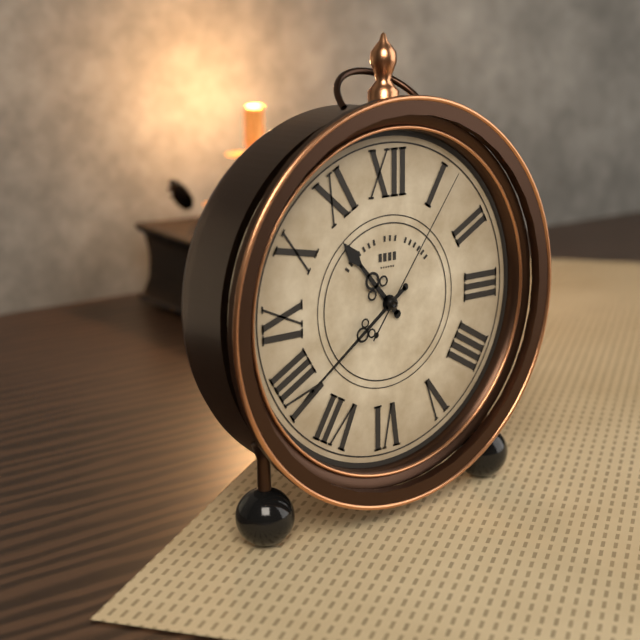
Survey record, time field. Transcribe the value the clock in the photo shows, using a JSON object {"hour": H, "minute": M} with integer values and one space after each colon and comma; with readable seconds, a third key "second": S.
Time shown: {"hour": 10, "minute": 39, "second": 6}
